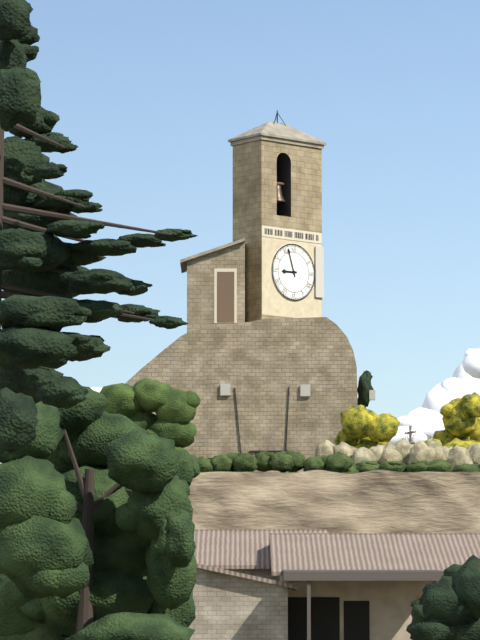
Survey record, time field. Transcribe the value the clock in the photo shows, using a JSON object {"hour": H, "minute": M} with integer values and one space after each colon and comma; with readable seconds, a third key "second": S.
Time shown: {"hour": 8, "minute": 57}
